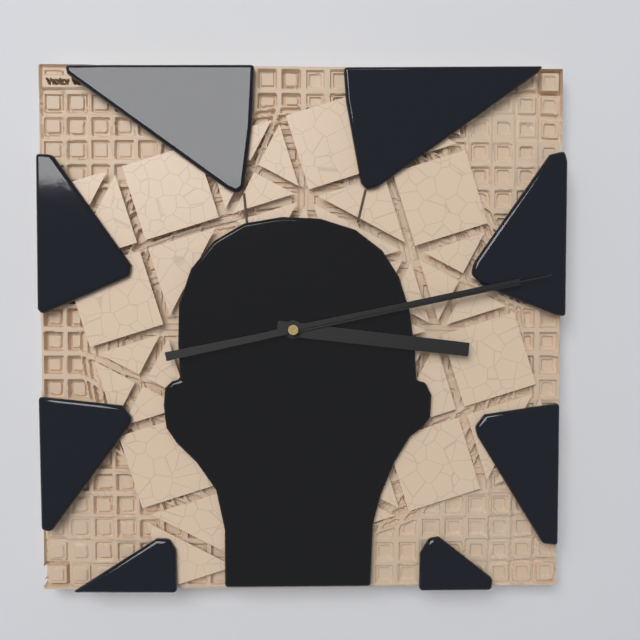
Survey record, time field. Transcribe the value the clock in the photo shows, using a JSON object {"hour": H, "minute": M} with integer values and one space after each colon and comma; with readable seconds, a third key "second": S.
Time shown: {"hour": 3, "minute": 13, "second": 13}
